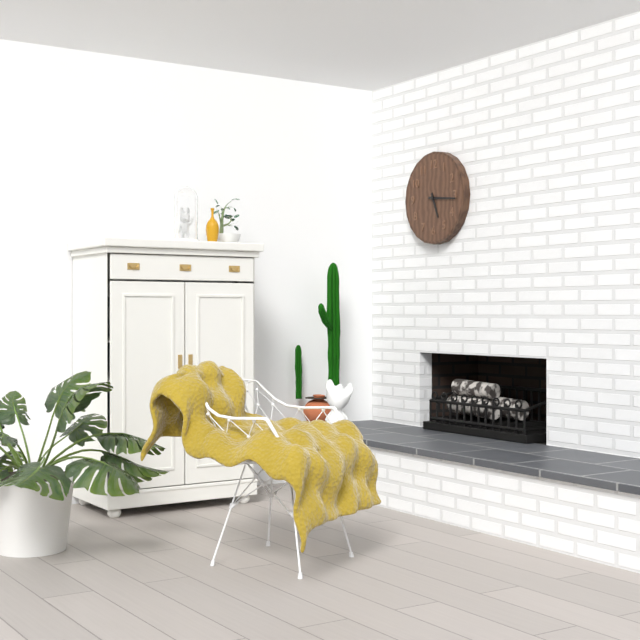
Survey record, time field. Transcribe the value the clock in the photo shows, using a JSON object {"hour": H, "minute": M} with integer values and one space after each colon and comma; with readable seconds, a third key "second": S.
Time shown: {"hour": 5, "minute": 16}
